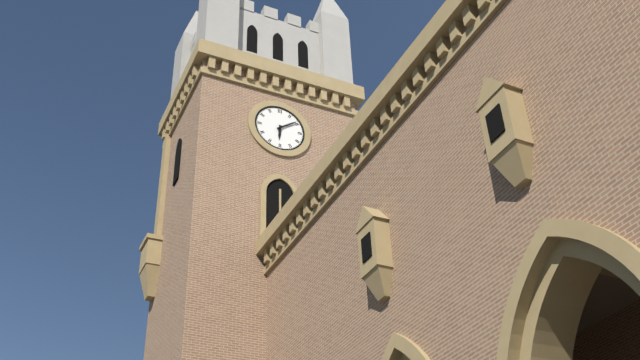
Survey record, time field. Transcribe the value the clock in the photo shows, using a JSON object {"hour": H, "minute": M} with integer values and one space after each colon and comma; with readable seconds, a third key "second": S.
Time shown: {"hour": 6, "minute": 9}
